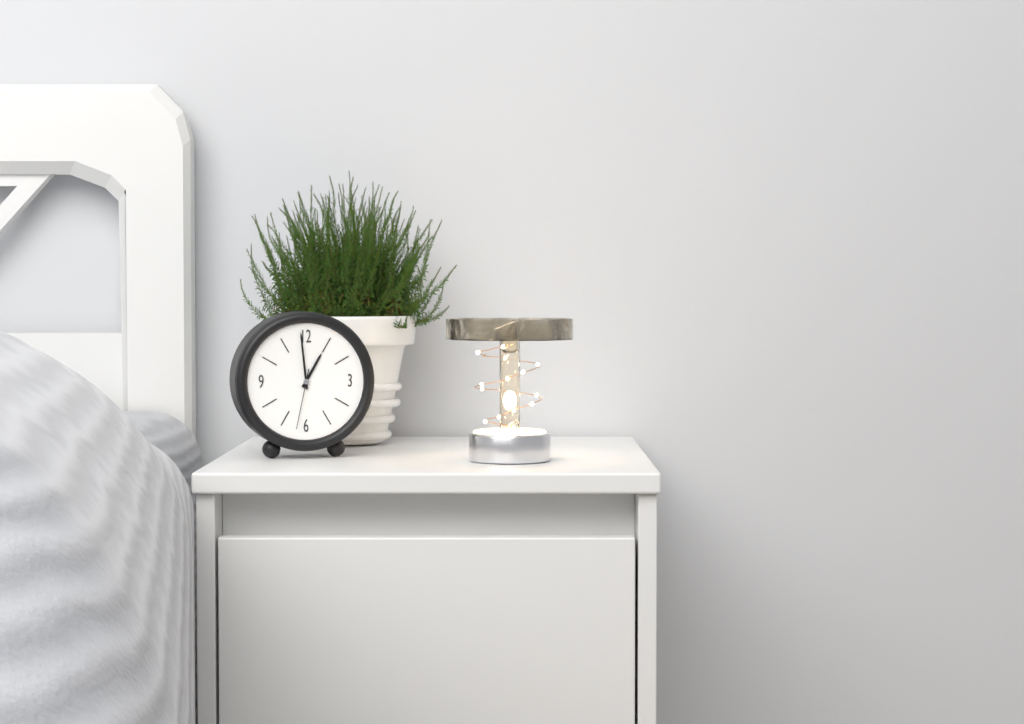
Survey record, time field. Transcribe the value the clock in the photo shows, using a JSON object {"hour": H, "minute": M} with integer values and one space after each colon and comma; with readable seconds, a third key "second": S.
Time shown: {"hour": 12, "minute": 59, "second": 32}
